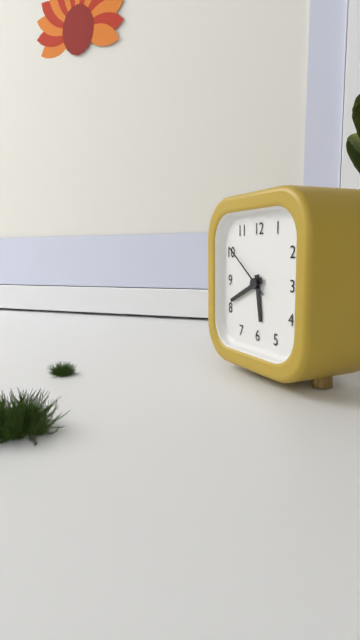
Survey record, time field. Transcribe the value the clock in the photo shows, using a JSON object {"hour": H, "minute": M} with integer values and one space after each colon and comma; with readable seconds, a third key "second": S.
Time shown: {"hour": 5, "minute": 41, "second": 51}
